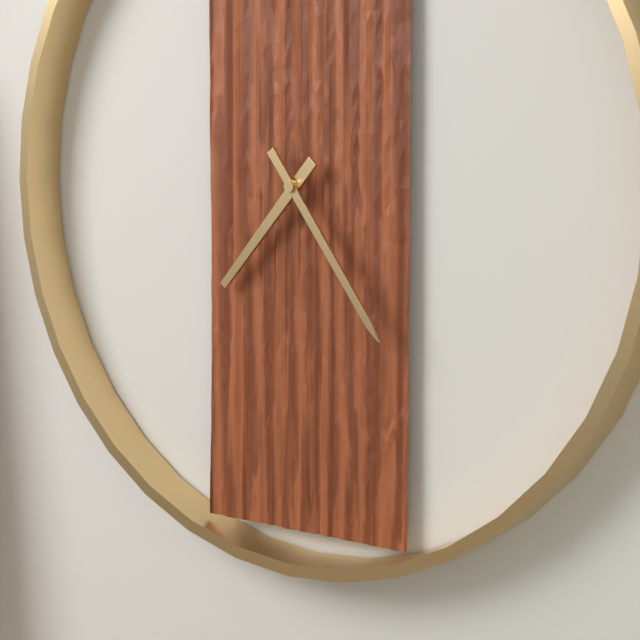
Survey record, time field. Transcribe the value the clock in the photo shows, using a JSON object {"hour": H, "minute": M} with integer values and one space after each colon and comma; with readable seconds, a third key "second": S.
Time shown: {"hour": 7, "minute": 24}
